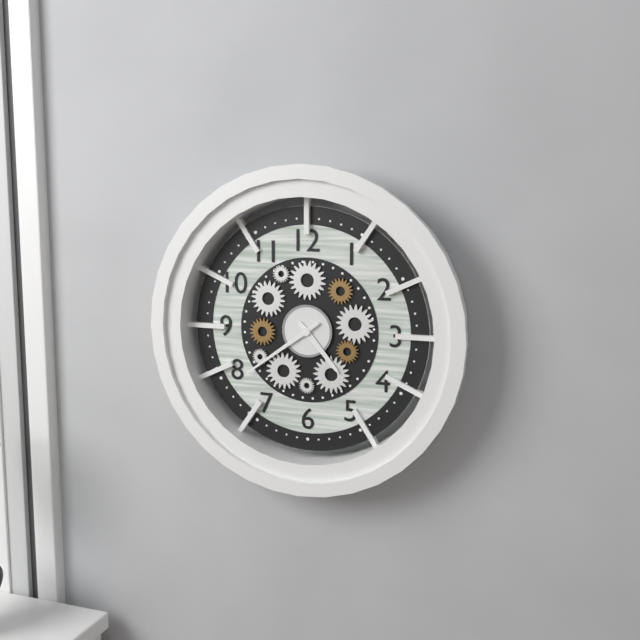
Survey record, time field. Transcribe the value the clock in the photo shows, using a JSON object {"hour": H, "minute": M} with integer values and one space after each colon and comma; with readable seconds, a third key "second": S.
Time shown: {"hour": 4, "minute": 39}
